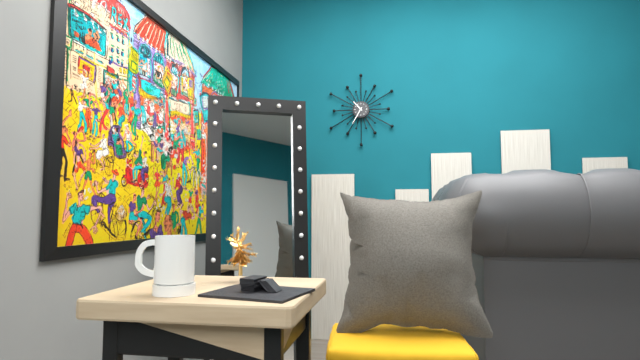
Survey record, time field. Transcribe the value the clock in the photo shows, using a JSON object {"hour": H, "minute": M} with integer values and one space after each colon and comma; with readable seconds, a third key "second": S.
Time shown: {"hour": 10, "minute": 35}
